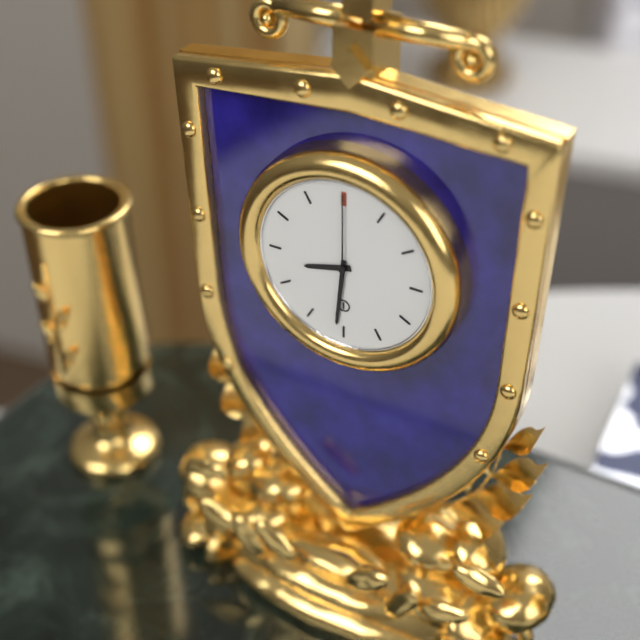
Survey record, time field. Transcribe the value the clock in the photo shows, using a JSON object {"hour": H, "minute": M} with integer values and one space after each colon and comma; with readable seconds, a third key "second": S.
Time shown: {"hour": 8, "minute": 31, "second": 0}
